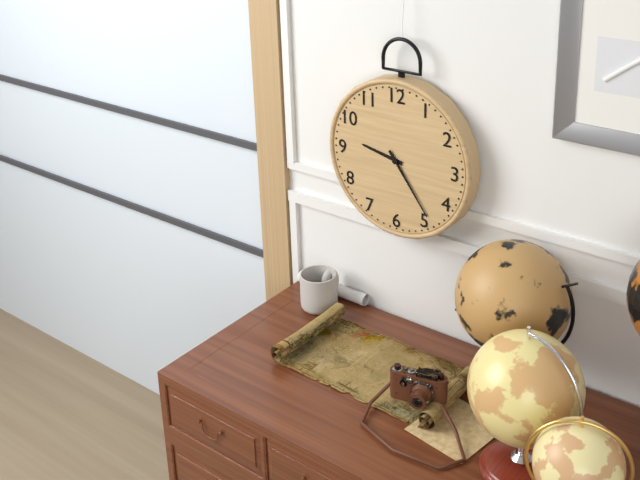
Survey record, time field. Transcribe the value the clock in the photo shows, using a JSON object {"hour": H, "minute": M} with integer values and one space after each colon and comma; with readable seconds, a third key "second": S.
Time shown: {"hour": 9, "minute": 24}
